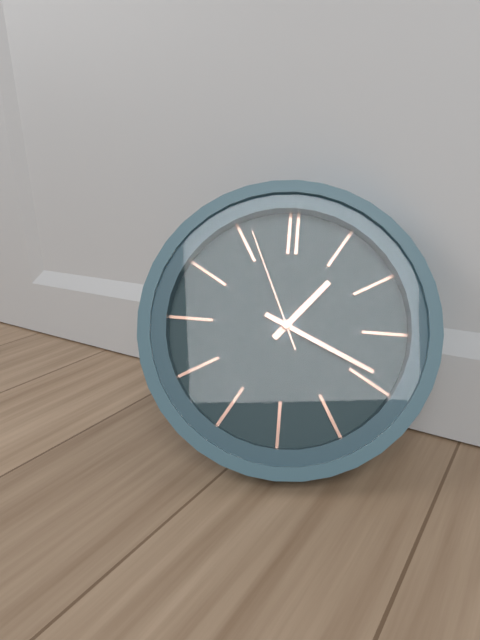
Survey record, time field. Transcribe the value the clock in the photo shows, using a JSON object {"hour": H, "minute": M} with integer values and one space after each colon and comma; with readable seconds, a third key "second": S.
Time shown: {"hour": 1, "minute": 19, "second": 56}
